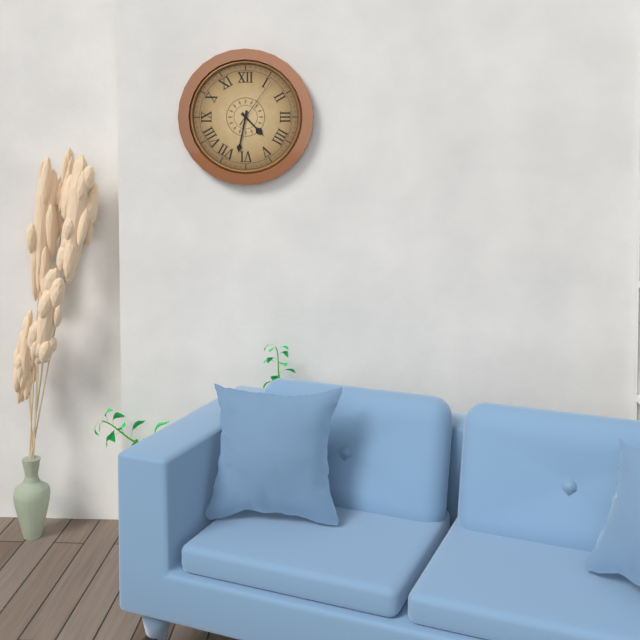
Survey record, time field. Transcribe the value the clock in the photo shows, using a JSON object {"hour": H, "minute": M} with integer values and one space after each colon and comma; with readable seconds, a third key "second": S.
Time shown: {"hour": 4, "minute": 32, "second": 6}
